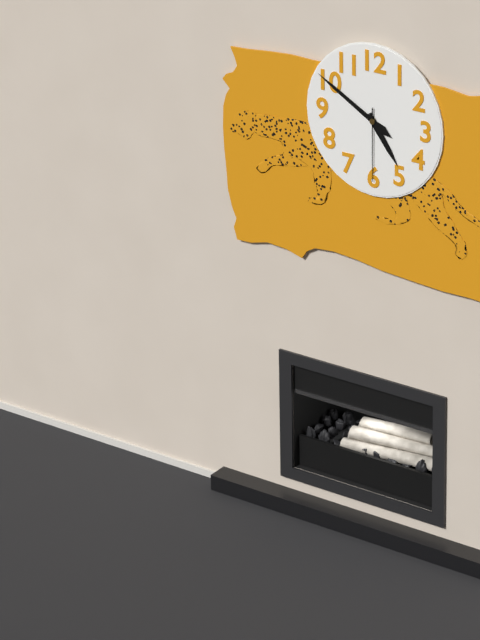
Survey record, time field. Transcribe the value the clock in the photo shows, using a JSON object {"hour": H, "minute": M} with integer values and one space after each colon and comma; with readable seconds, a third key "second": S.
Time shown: {"hour": 4, "minute": 50, "second": 30}
